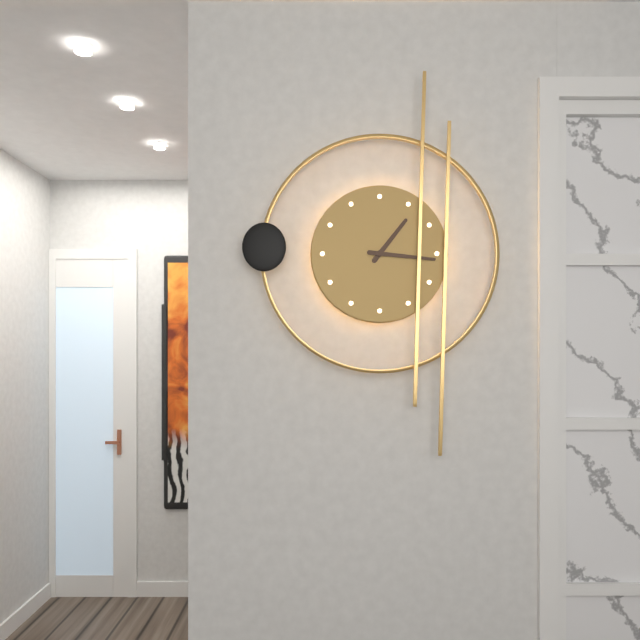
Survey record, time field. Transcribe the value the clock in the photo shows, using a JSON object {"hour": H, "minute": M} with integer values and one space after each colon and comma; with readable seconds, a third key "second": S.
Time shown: {"hour": 1, "minute": 16}
